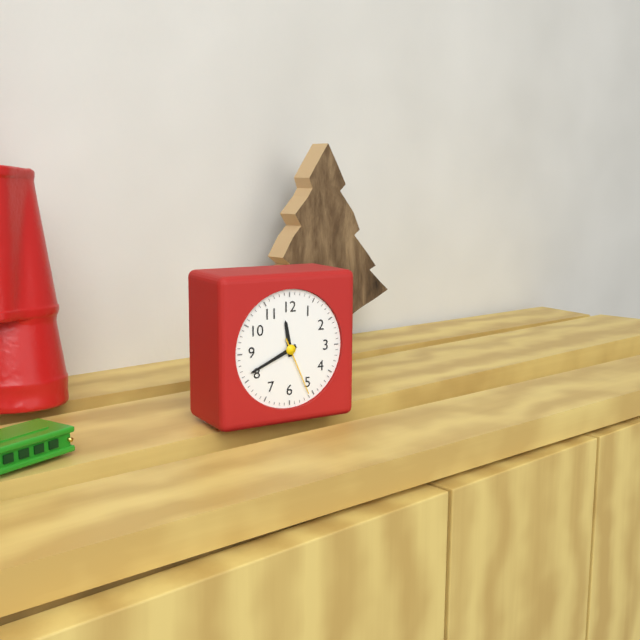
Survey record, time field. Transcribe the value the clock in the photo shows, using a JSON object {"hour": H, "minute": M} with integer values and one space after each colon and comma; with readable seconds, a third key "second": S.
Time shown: {"hour": 11, "minute": 41, "second": 26}
